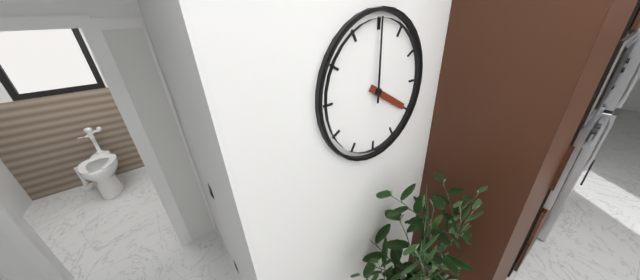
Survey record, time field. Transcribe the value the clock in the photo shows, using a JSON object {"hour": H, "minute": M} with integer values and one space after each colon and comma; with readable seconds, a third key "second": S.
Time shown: {"hour": 4, "minute": 0}
